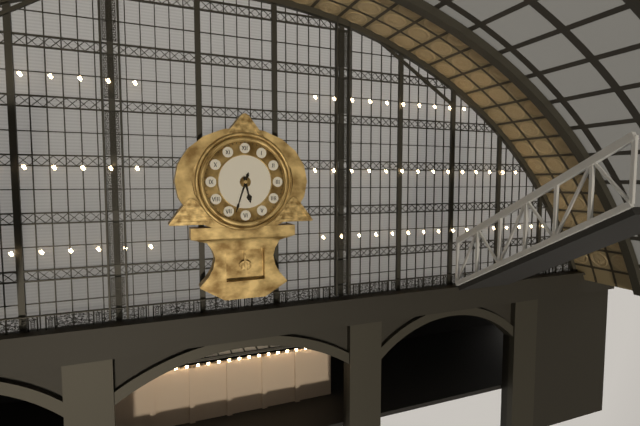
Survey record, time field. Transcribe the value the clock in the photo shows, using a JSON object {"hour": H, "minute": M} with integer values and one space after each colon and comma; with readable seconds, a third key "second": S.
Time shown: {"hour": 5, "minute": 33}
